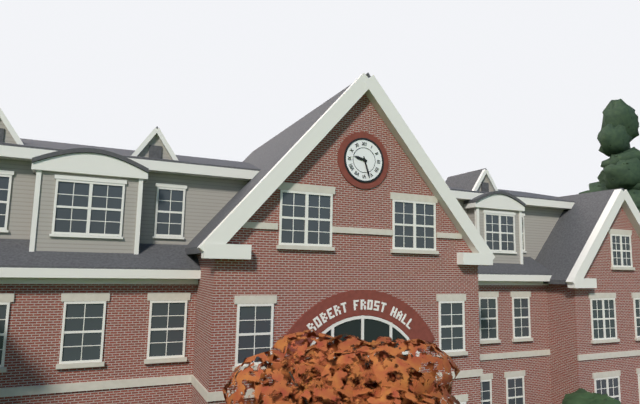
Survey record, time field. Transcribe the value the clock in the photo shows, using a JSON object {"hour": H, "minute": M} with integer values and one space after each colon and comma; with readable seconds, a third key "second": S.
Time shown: {"hour": 9, "minute": 27}
